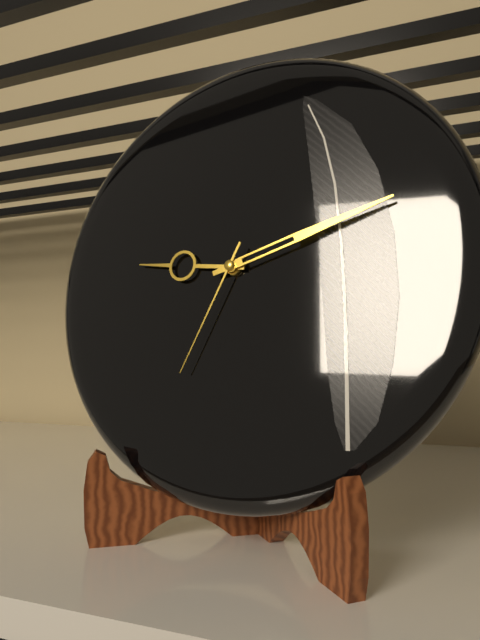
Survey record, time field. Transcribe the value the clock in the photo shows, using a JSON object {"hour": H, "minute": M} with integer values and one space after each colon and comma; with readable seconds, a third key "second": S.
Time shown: {"hour": 9, "minute": 12, "second": 34}
